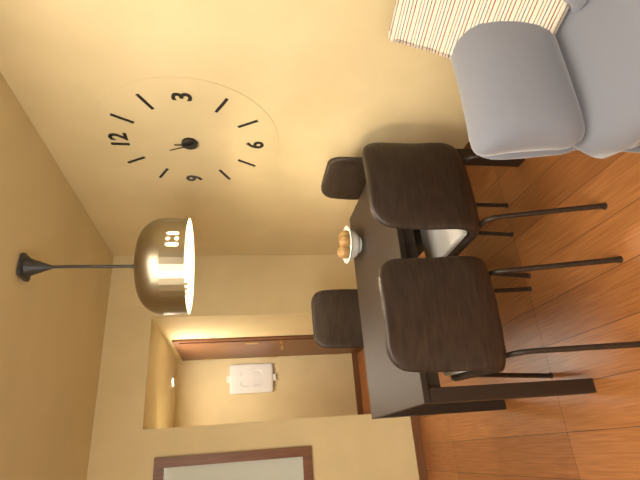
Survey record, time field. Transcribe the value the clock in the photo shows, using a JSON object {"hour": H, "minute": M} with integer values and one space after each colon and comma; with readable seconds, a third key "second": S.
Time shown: {"hour": 11, "minute": 56}
